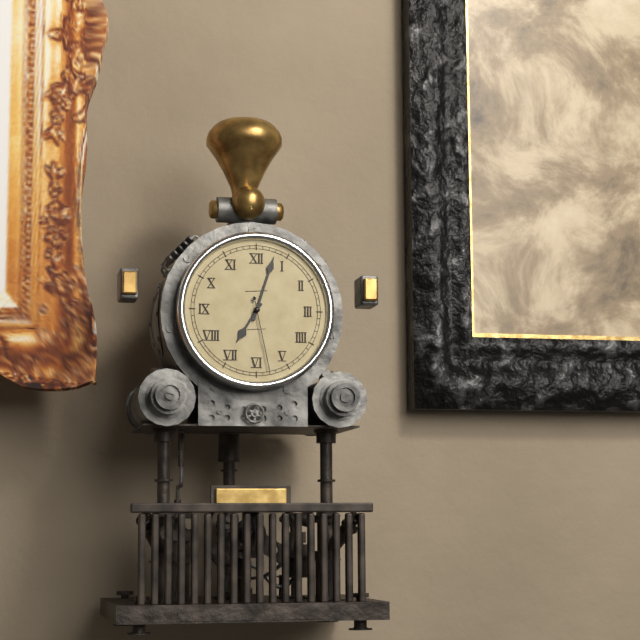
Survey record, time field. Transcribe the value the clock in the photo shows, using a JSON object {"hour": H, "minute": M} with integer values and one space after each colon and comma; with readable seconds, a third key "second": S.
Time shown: {"hour": 7, "minute": 3, "second": 28}
